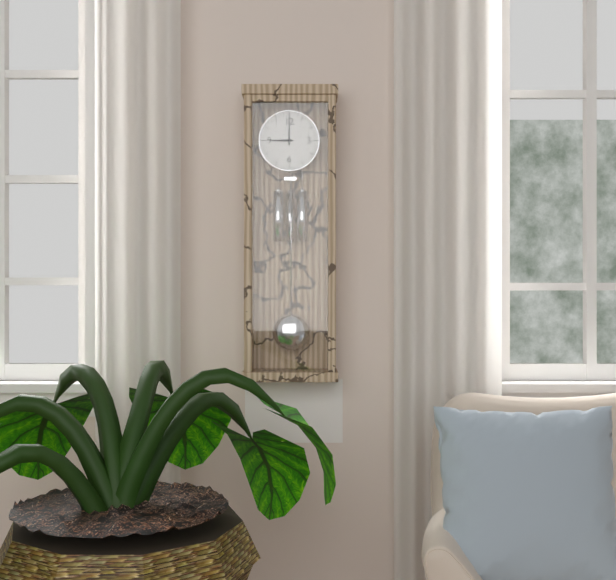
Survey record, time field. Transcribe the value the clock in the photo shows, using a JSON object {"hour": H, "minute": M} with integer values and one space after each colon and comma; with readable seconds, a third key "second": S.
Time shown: {"hour": 9, "minute": 0}
